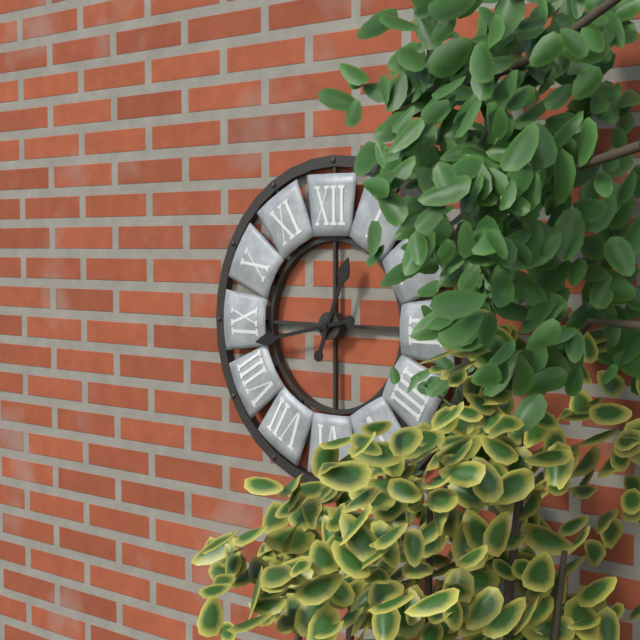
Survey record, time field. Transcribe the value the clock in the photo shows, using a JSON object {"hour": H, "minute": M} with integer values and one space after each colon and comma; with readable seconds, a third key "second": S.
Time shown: {"hour": 12, "minute": 43}
